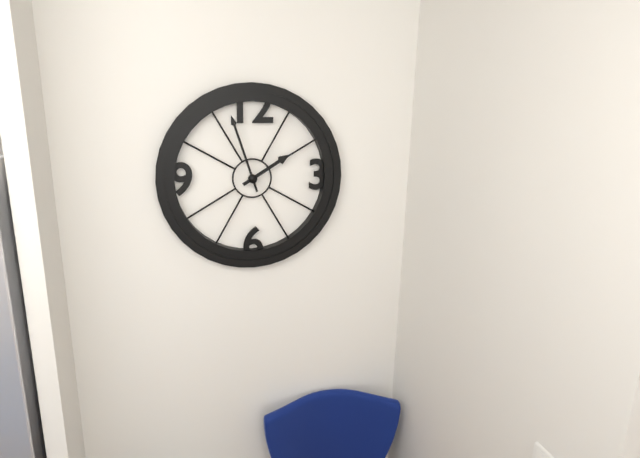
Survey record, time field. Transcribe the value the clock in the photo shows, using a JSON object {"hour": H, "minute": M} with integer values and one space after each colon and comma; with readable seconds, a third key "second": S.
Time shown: {"hour": 1, "minute": 57}
